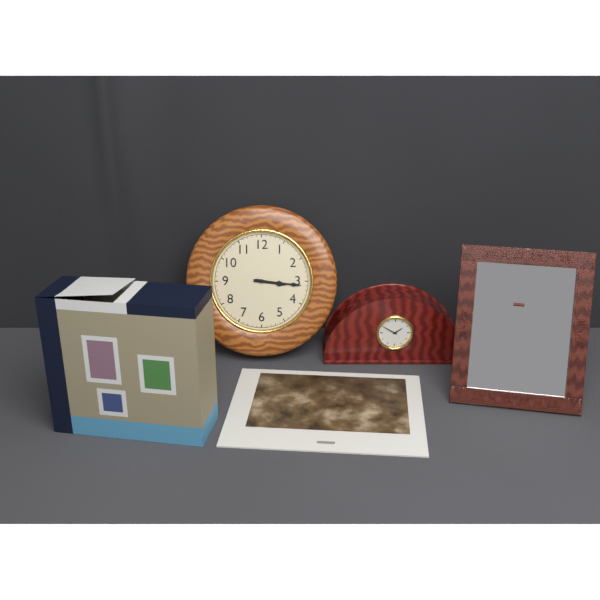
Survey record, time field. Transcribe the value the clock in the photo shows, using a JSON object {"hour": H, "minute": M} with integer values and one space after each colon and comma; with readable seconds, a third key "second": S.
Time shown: {"hour": 3, "minute": 16}
